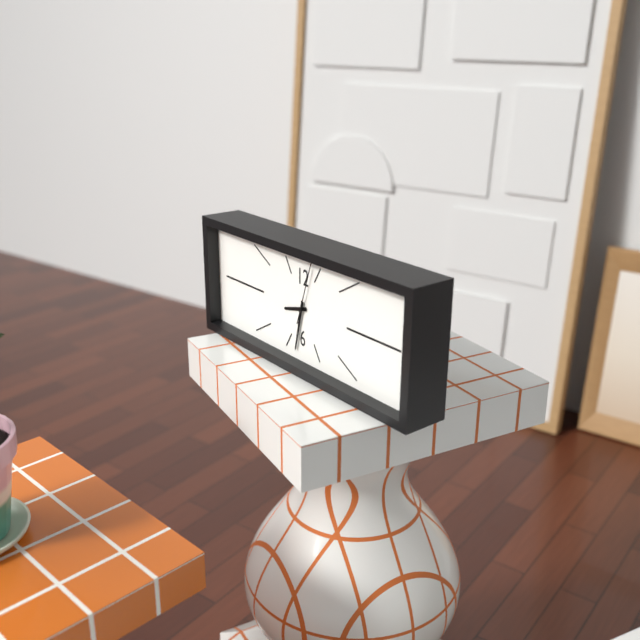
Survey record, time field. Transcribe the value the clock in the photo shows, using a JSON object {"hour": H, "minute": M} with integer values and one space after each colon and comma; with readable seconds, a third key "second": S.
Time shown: {"hour": 8, "minute": 32, "second": 3}
